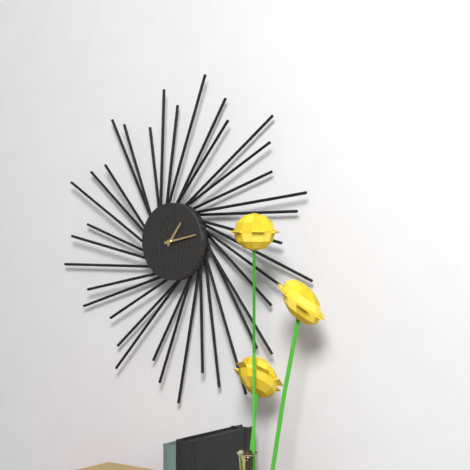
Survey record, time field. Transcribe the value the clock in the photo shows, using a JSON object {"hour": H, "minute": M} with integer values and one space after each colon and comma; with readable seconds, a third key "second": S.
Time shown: {"hour": 1, "minute": 13}
